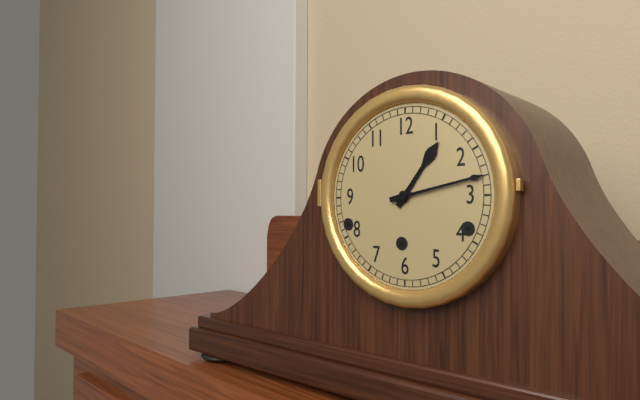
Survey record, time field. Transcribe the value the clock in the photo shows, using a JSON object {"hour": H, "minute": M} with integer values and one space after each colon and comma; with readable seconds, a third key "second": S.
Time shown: {"hour": 1, "minute": 13}
